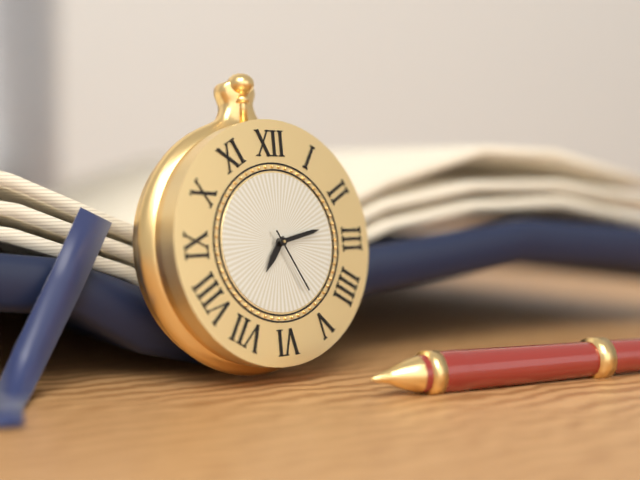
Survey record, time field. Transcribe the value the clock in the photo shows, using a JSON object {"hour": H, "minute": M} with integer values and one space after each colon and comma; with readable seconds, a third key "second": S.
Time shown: {"hour": 7, "minute": 13, "second": 25}
